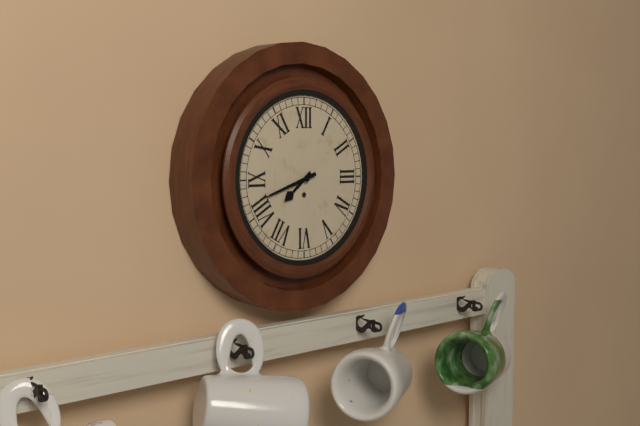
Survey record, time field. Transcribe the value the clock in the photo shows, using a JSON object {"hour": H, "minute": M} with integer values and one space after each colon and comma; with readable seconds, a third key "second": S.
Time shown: {"hour": 7, "minute": 42}
